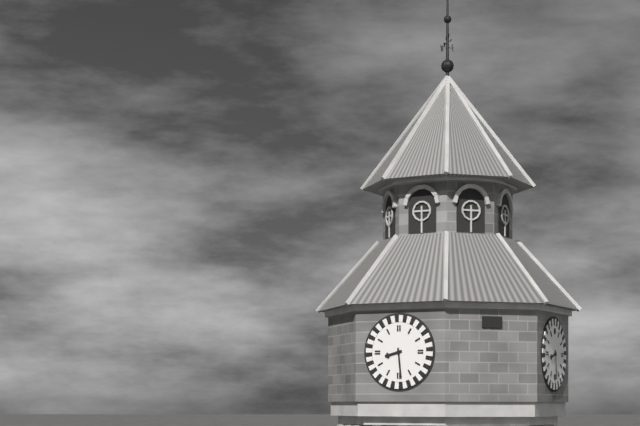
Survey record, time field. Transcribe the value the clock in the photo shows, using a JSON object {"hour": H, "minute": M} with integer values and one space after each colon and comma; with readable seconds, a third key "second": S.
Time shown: {"hour": 8, "minute": 29}
